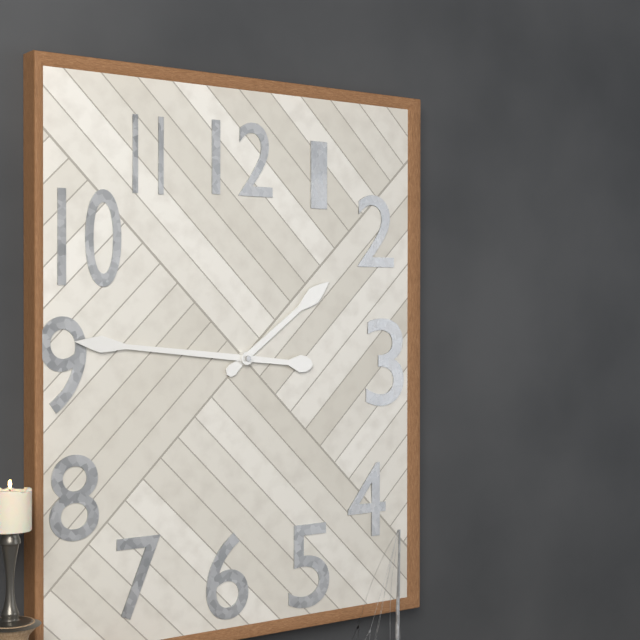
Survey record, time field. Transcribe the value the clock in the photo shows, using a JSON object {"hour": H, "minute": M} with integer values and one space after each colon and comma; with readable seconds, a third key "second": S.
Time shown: {"hour": 1, "minute": 46}
